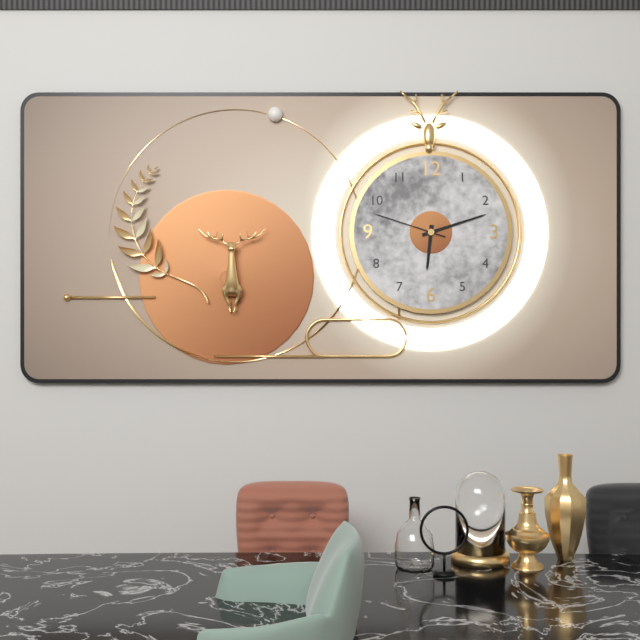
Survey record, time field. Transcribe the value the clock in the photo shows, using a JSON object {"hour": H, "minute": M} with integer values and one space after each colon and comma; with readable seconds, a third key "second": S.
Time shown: {"hour": 6, "minute": 12, "second": 48}
